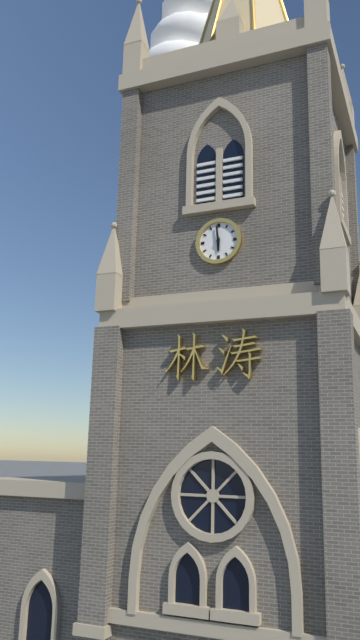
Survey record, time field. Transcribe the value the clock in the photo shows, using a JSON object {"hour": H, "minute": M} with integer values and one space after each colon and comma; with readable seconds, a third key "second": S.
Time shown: {"hour": 5, "minute": 59}
